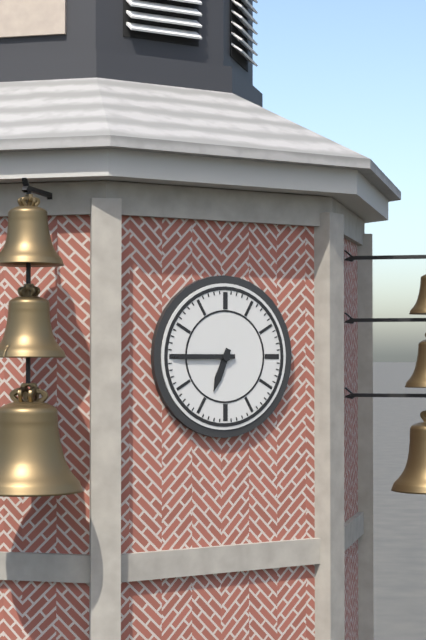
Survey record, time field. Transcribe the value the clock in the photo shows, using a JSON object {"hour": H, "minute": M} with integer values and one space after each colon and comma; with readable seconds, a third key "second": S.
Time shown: {"hour": 6, "minute": 45}
